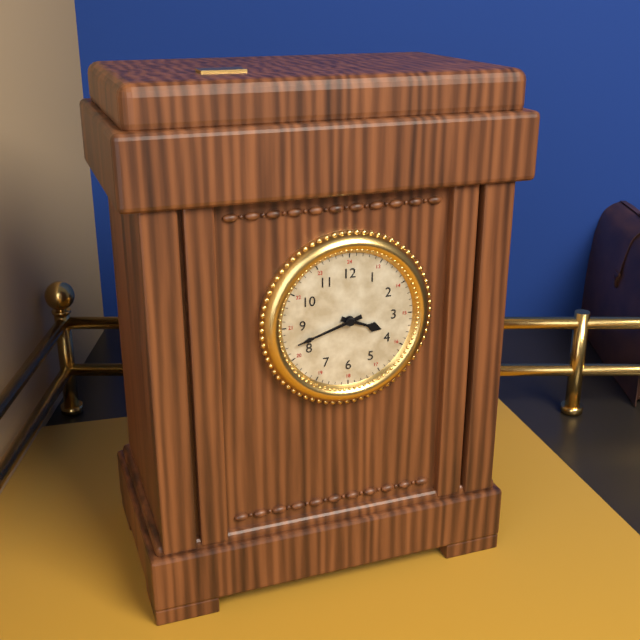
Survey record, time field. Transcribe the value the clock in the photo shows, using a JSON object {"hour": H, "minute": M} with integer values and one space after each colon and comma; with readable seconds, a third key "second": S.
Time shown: {"hour": 3, "minute": 42}
